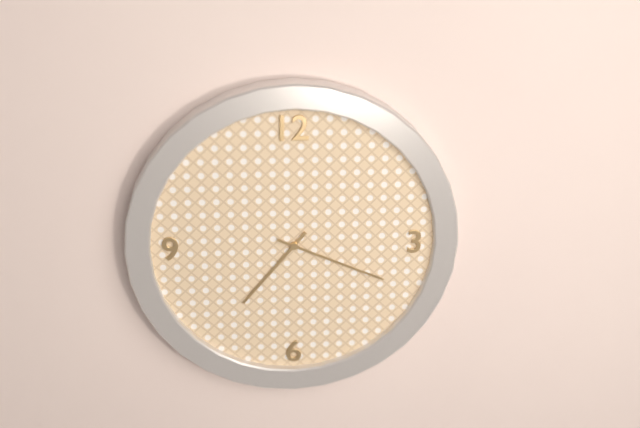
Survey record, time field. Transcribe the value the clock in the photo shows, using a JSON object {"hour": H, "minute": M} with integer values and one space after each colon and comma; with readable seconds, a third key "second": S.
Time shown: {"hour": 7, "minute": 19}
